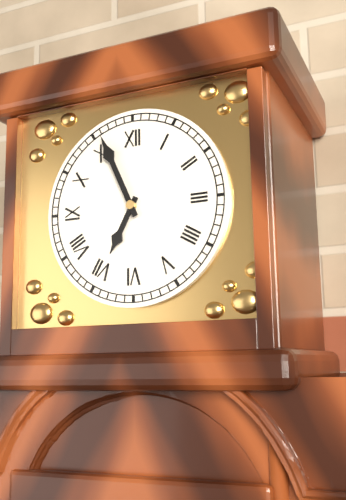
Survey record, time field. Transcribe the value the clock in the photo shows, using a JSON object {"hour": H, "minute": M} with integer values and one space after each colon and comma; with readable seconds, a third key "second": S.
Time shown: {"hour": 6, "minute": 56}
